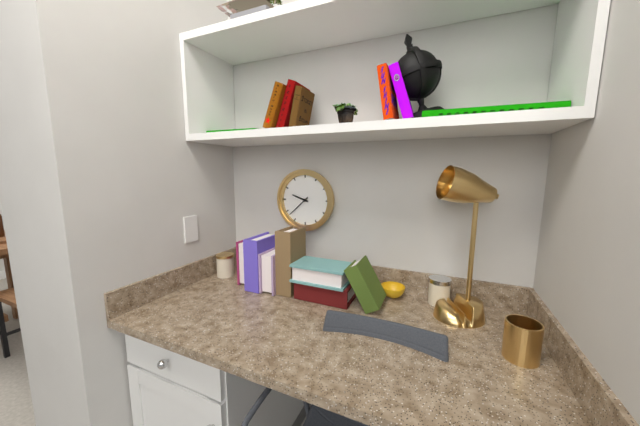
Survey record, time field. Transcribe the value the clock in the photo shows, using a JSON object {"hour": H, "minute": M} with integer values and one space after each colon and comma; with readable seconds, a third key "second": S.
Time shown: {"hour": 9, "minute": 38}
